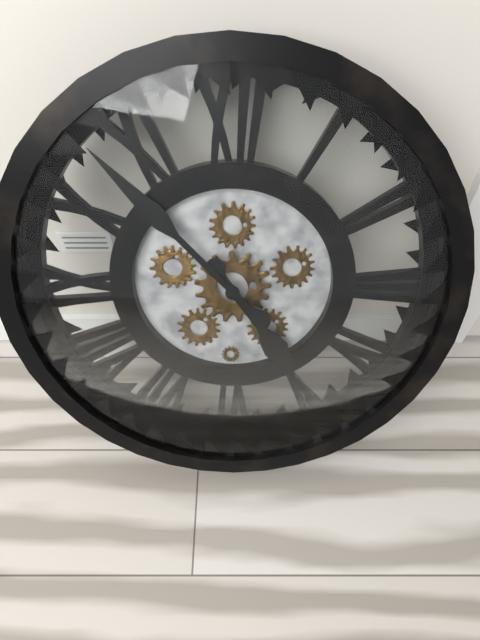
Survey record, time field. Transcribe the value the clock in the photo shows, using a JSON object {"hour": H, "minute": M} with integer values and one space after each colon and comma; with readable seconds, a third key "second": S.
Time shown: {"hour": 4, "minute": 53}
